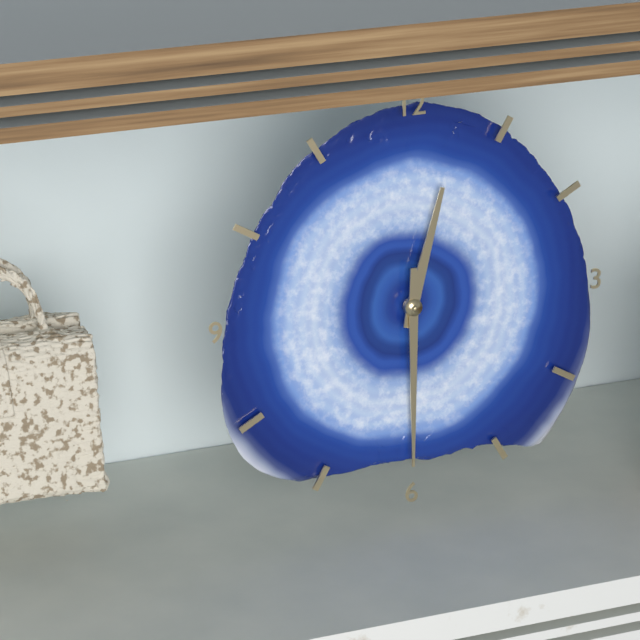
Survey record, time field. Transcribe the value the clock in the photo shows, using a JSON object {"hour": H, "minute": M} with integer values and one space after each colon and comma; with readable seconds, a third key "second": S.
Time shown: {"hour": 12, "minute": 30}
